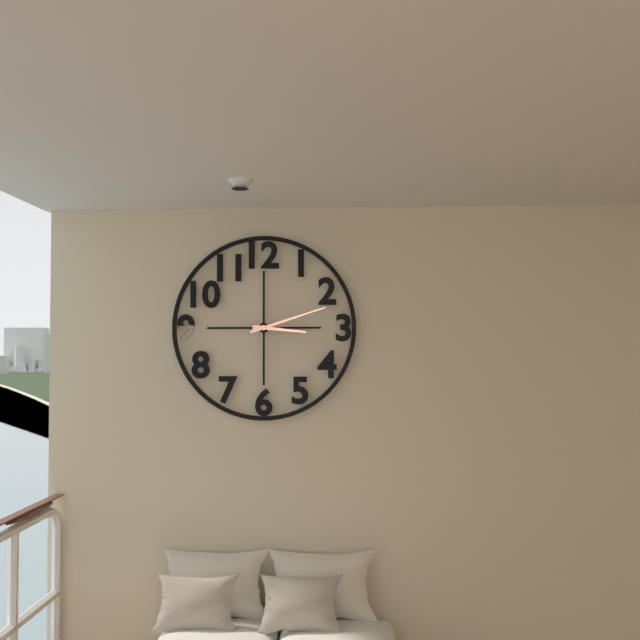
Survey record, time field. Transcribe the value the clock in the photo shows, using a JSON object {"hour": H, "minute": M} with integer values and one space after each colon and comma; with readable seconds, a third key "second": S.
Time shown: {"hour": 3, "minute": 12}
